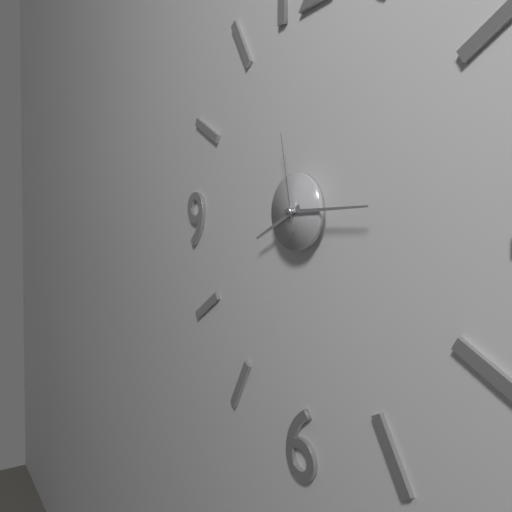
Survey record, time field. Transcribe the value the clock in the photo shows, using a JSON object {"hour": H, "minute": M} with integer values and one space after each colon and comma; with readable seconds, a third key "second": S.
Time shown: {"hour": 8, "minute": 15, "second": 58}
